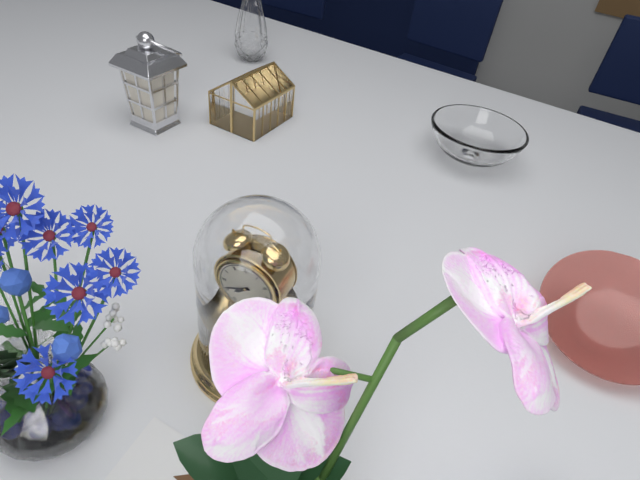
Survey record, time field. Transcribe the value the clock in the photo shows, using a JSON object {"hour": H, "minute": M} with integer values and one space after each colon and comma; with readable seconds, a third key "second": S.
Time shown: {"hour": 7, "minute": 41}
